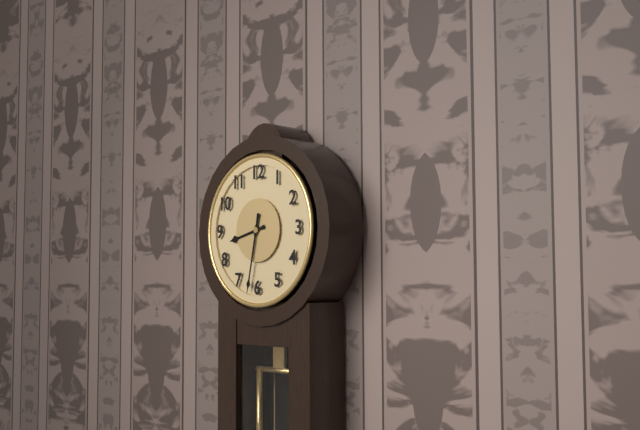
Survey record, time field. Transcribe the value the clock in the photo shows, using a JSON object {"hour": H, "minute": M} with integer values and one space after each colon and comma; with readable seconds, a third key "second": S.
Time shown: {"hour": 8, "minute": 32}
